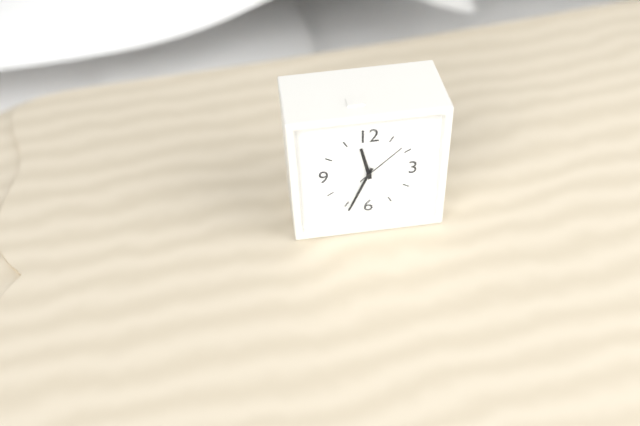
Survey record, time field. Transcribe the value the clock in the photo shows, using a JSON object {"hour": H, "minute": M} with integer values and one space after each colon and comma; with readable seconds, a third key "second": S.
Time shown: {"hour": 11, "minute": 34, "second": 8}
